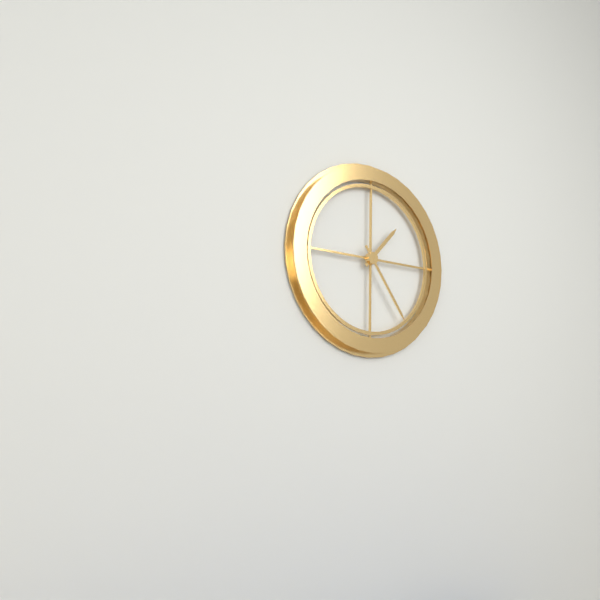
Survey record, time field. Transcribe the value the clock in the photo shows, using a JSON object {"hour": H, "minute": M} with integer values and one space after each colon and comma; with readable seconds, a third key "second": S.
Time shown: {"hour": 1, "minute": 24}
